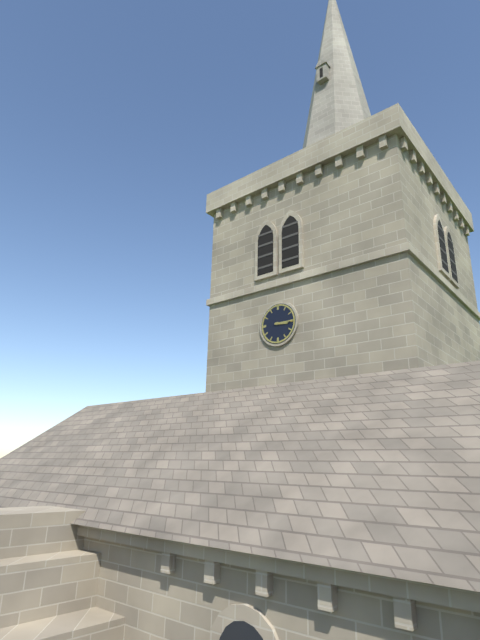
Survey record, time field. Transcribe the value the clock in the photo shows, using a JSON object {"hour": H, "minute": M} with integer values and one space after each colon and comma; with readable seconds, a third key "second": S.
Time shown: {"hour": 3, "minute": 15}
